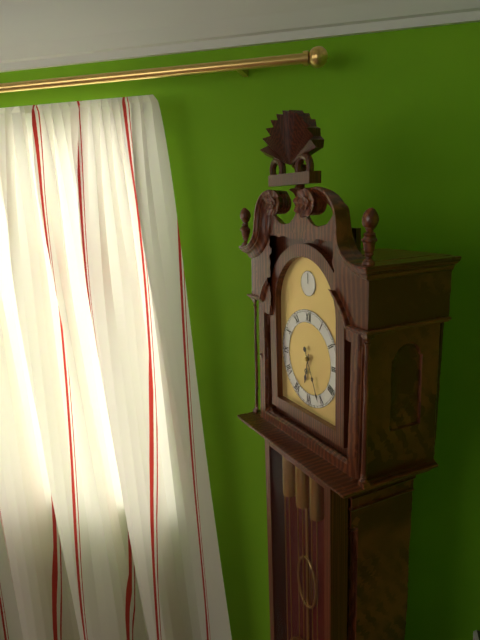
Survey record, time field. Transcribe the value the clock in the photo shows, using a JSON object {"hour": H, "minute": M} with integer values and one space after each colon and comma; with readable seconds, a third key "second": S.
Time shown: {"hour": 6, "minute": 26}
